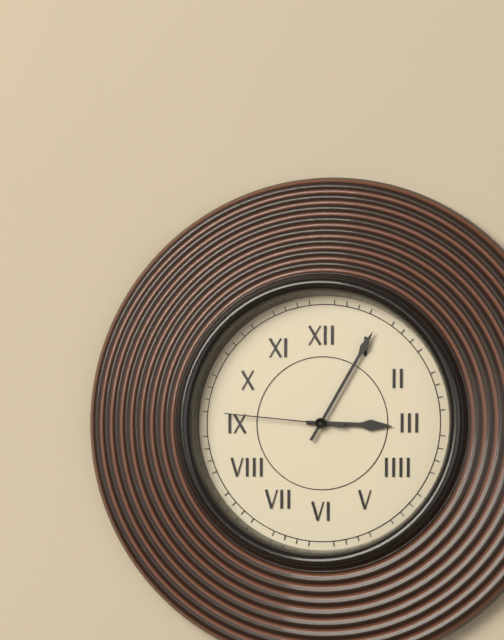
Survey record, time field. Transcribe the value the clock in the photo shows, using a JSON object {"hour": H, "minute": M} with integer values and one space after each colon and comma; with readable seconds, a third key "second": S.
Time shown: {"hour": 3, "minute": 5, "second": 46}
